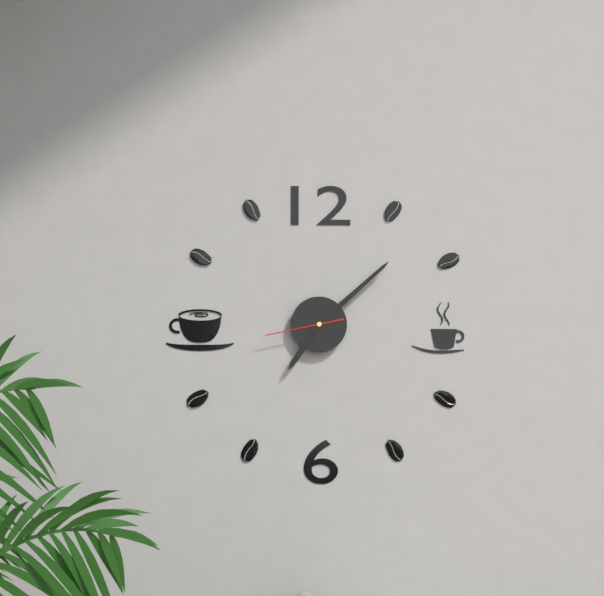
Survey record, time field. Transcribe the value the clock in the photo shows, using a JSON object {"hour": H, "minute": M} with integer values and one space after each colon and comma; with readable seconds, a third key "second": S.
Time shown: {"hour": 7, "minute": 8, "second": 43}
